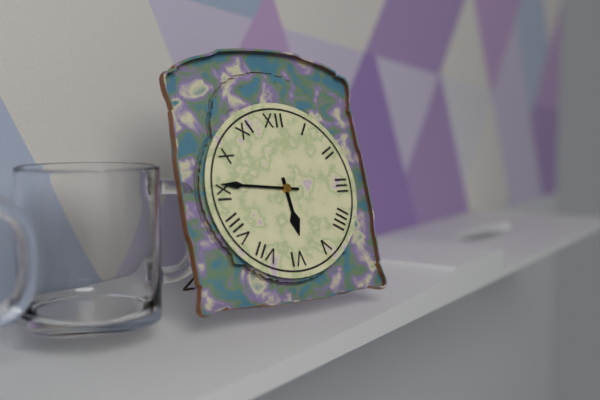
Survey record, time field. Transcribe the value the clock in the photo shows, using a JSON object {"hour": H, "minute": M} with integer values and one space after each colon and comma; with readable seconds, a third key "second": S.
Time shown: {"hour": 5, "minute": 46}
